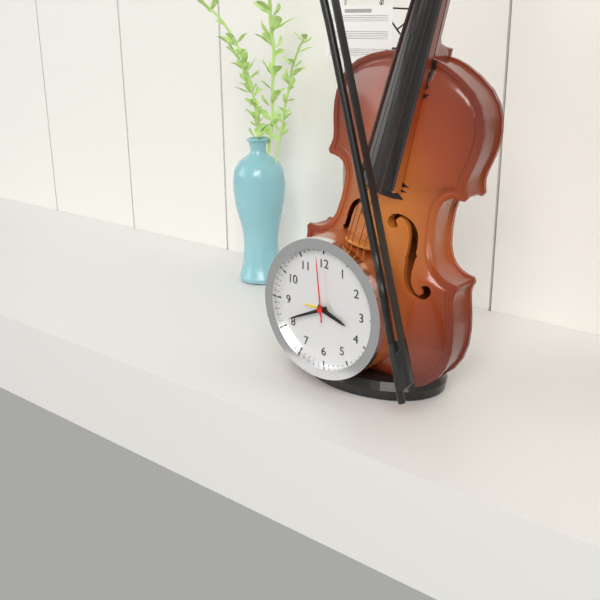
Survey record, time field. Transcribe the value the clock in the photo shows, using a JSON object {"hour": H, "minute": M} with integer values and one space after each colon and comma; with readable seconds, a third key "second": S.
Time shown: {"hour": 3, "minute": 41, "second": 59}
